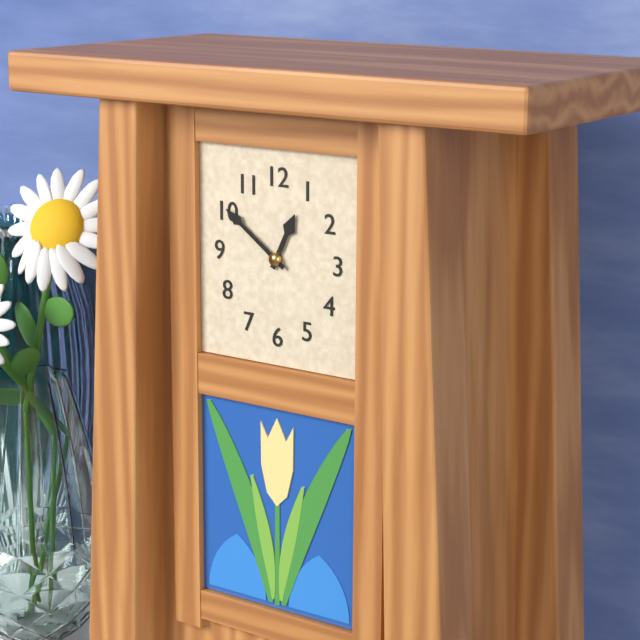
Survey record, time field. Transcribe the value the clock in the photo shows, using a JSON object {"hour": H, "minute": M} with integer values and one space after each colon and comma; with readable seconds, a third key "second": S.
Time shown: {"hour": 12, "minute": 51}
